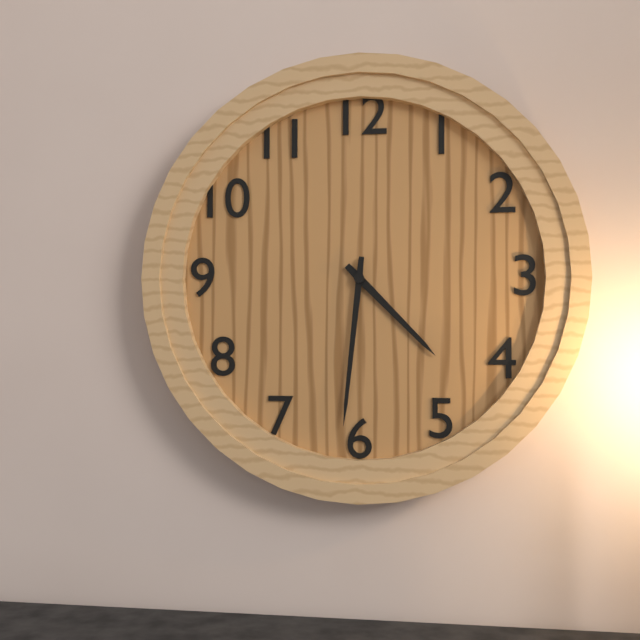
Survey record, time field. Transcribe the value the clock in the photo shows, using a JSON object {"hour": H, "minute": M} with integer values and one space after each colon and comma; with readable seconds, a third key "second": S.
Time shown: {"hour": 4, "minute": 31}
